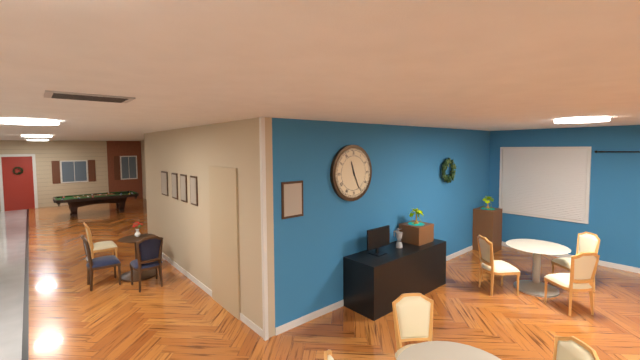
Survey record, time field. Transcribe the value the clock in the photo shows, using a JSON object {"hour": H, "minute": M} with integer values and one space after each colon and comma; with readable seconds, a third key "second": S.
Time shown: {"hour": 11, "minute": 26}
